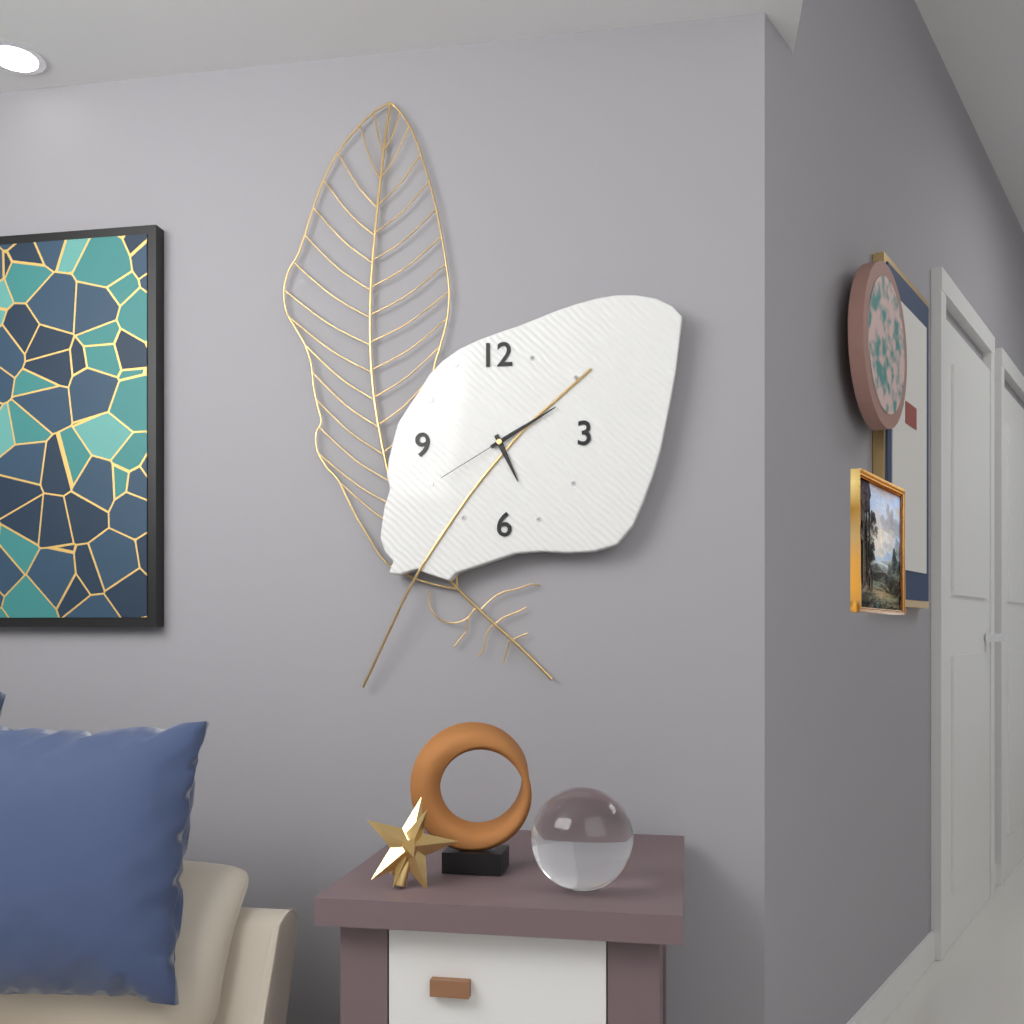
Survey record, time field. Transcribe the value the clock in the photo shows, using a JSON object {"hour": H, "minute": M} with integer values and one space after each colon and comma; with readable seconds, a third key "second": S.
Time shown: {"hour": 5, "minute": 10, "second": 40}
